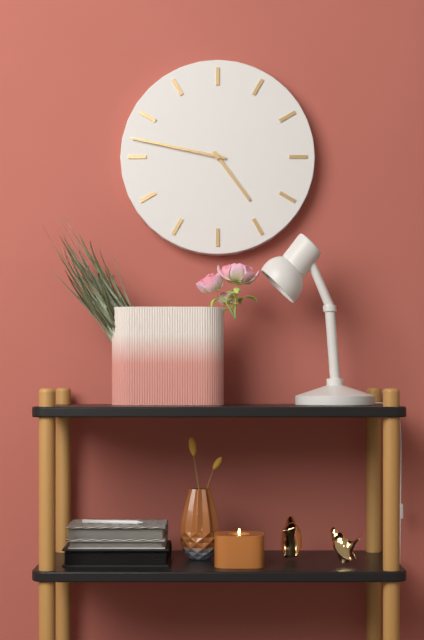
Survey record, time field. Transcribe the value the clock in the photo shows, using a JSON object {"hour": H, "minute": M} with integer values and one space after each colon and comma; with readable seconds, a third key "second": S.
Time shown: {"hour": 4, "minute": 47}
